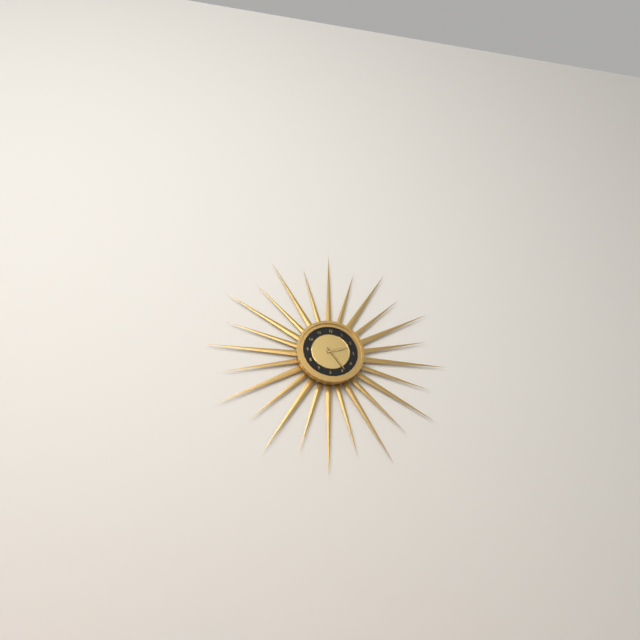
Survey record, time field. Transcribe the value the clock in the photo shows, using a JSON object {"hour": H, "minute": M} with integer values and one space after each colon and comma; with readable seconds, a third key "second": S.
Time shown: {"hour": 2, "minute": 24}
